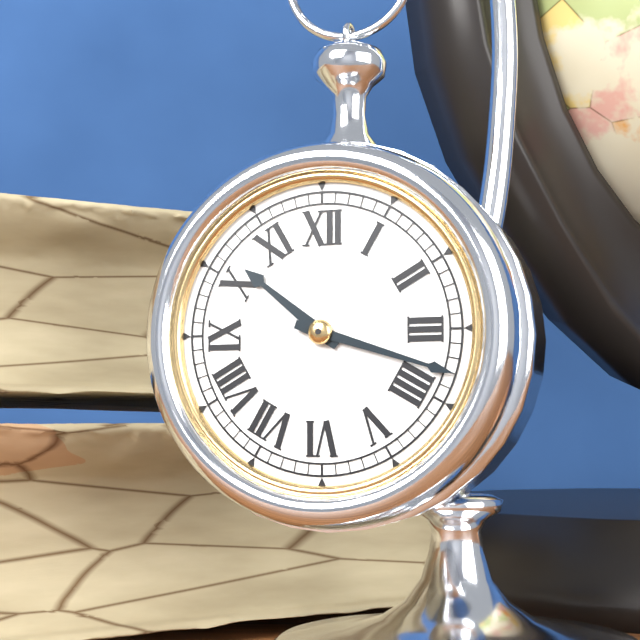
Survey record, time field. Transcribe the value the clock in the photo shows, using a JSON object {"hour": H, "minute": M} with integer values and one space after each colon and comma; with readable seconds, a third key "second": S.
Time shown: {"hour": 10, "minute": 18}
